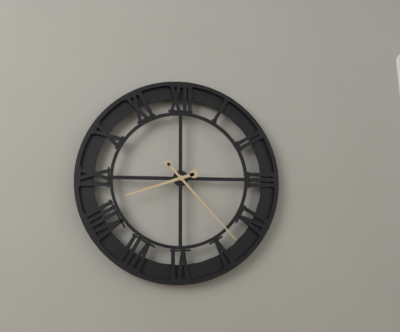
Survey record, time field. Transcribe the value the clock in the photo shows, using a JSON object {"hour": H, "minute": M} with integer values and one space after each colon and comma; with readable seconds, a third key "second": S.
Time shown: {"hour": 8, "minute": 23}
